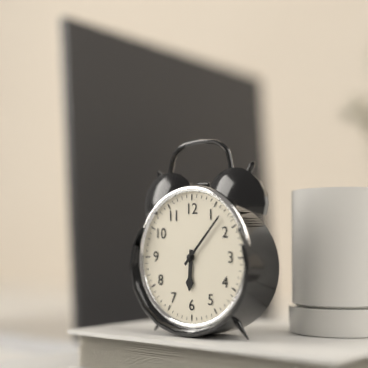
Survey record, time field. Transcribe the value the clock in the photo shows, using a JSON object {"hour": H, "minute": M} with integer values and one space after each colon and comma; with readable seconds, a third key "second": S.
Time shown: {"hour": 6, "minute": 7}
